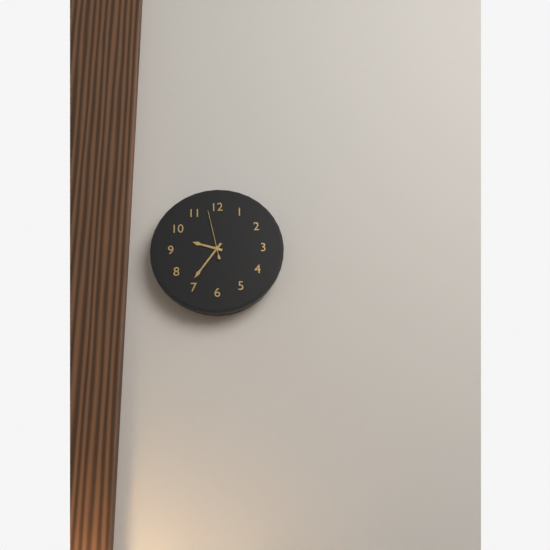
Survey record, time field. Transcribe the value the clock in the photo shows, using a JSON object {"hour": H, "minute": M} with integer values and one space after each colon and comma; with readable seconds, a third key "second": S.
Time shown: {"hour": 9, "minute": 36}
